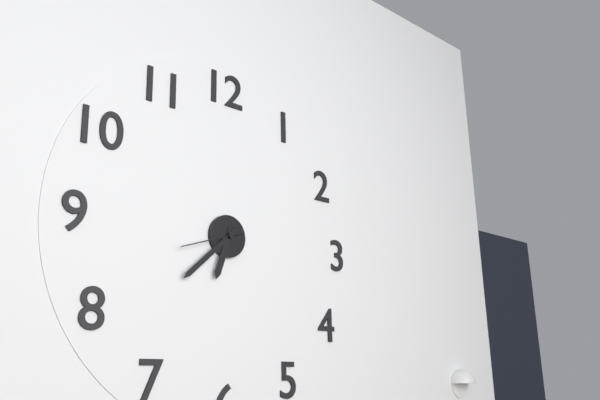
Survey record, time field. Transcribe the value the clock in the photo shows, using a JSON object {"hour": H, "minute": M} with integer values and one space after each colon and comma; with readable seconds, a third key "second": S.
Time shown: {"hour": 6, "minute": 38, "second": 42}
